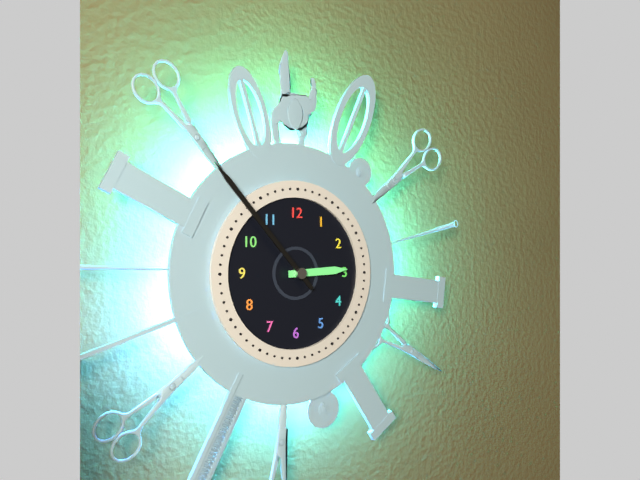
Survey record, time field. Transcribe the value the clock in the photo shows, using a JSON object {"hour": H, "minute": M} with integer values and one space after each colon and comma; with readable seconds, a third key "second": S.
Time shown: {"hour": 2, "minute": 53}
